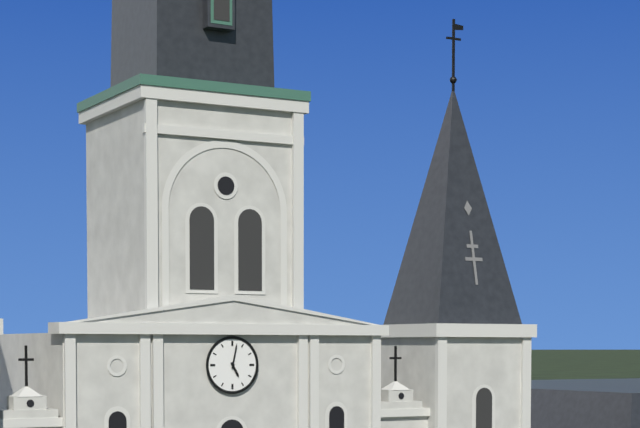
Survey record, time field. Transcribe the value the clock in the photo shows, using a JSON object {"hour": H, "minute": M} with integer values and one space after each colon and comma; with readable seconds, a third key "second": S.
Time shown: {"hour": 5, "minute": 2}
